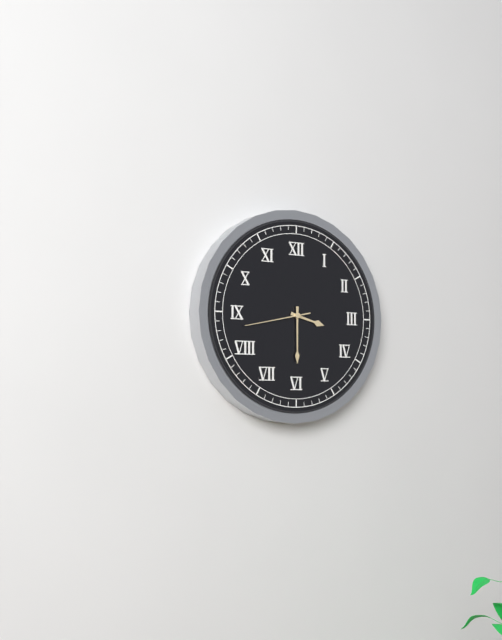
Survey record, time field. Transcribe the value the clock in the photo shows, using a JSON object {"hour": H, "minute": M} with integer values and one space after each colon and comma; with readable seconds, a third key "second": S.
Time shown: {"hour": 3, "minute": 30, "second": 43}
